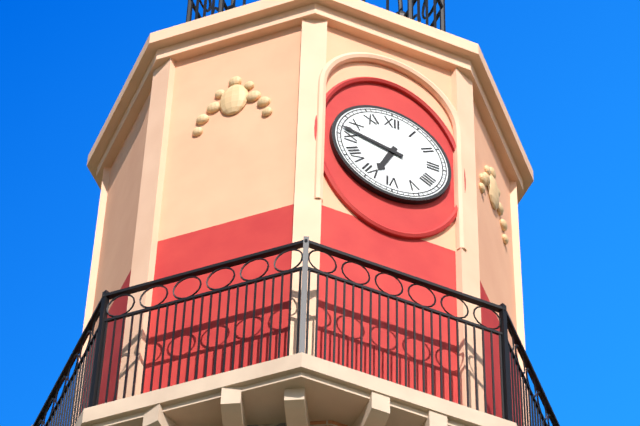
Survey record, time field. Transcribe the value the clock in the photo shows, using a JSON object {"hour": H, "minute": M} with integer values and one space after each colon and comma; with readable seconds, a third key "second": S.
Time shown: {"hour": 6, "minute": 47}
